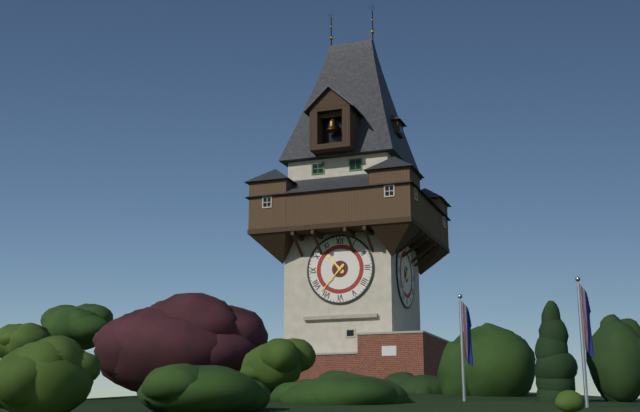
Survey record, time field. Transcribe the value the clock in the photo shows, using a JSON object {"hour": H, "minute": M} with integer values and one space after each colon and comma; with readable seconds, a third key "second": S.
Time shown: {"hour": 10, "minute": 37}
